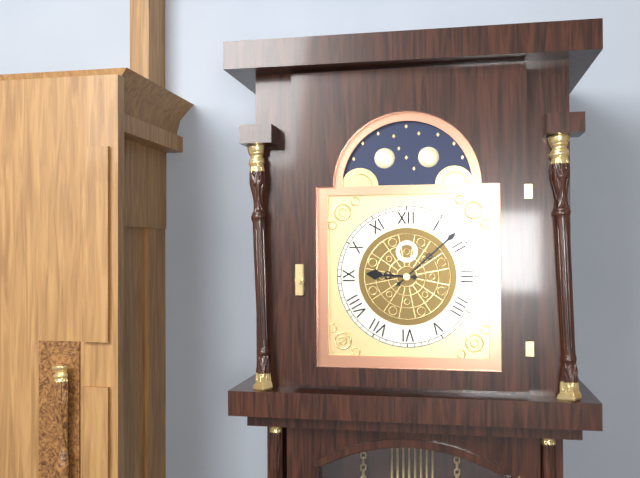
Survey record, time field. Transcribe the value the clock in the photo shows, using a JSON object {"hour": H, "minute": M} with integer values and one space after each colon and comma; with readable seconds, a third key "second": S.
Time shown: {"hour": 9, "minute": 8}
